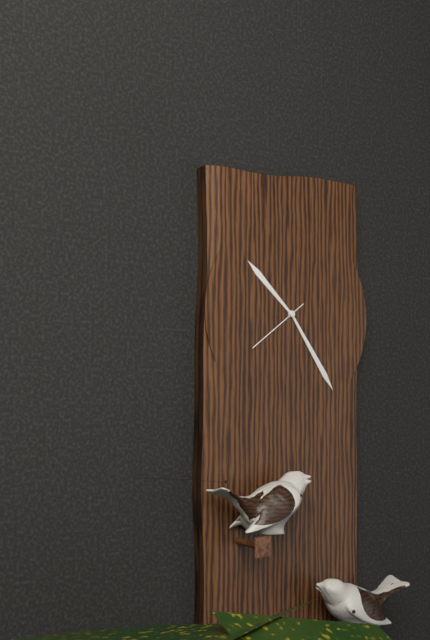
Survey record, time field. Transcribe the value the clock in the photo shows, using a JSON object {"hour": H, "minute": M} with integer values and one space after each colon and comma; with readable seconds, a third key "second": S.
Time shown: {"hour": 10, "minute": 24, "second": 39}
